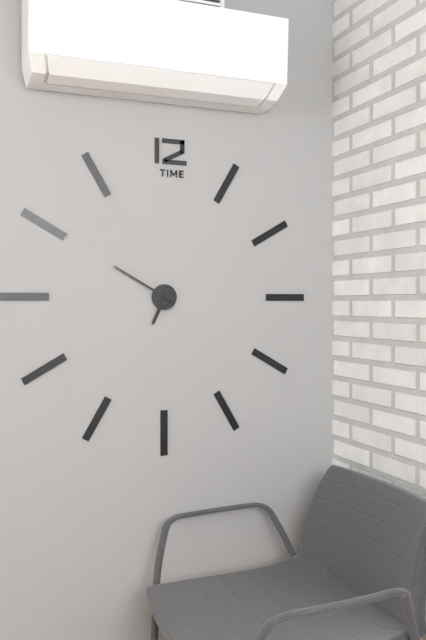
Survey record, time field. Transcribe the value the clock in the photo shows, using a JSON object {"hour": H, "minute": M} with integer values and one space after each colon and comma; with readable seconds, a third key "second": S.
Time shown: {"hour": 6, "minute": 50}
